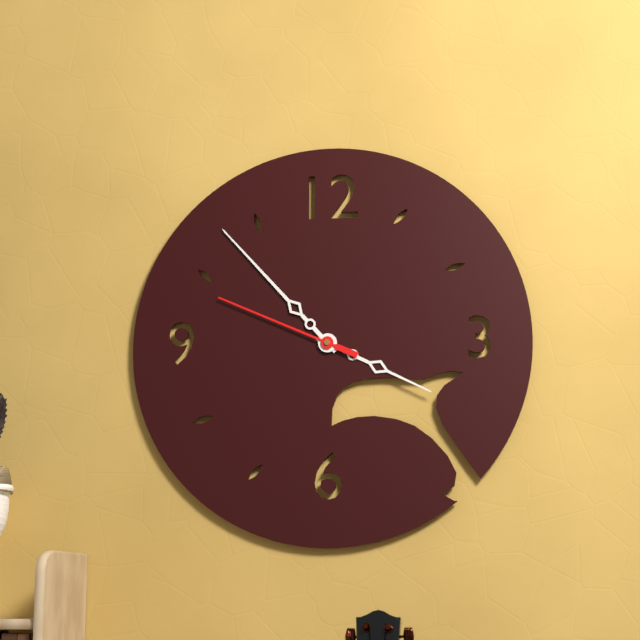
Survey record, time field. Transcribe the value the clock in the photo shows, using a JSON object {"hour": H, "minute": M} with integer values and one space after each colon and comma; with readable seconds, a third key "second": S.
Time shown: {"hour": 3, "minute": 53, "second": 49}
